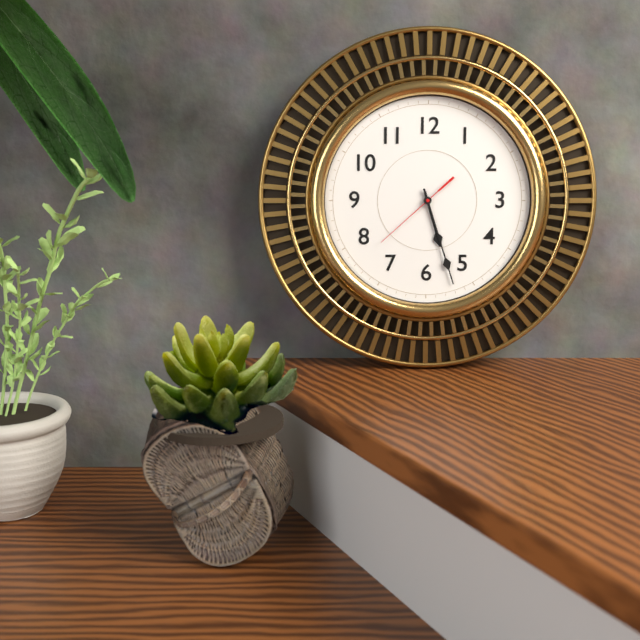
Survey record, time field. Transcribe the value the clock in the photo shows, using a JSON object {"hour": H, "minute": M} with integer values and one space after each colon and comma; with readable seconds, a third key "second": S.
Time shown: {"hour": 5, "minute": 27, "second": 38}
